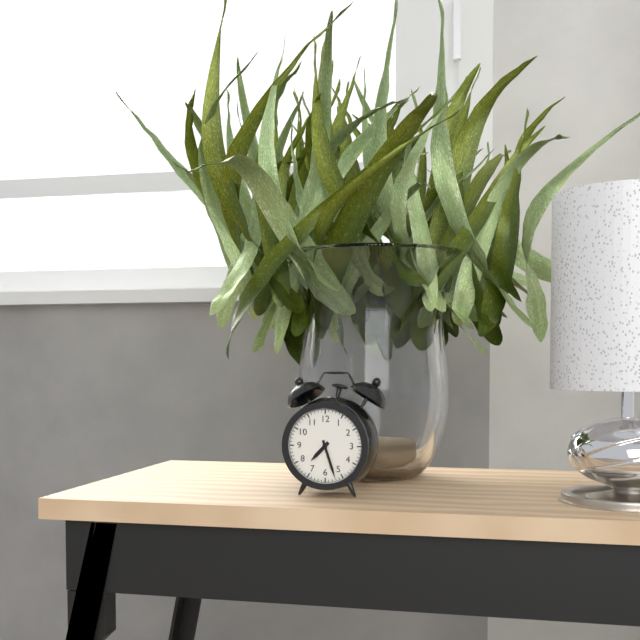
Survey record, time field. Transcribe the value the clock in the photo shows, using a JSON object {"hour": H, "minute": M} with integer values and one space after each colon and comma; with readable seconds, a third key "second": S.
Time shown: {"hour": 7, "minute": 27}
